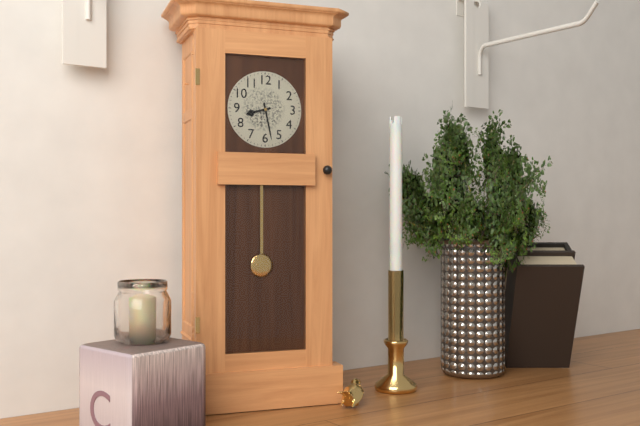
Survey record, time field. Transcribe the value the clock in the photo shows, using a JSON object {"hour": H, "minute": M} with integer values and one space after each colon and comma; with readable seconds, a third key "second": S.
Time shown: {"hour": 8, "minute": 28}
